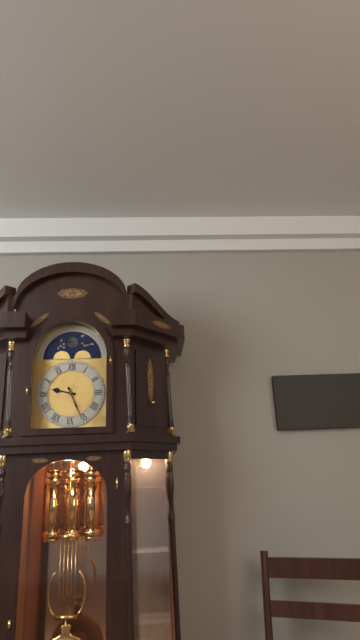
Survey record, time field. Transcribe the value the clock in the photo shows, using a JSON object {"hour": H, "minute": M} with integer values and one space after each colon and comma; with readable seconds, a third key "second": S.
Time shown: {"hour": 9, "minute": 26}
